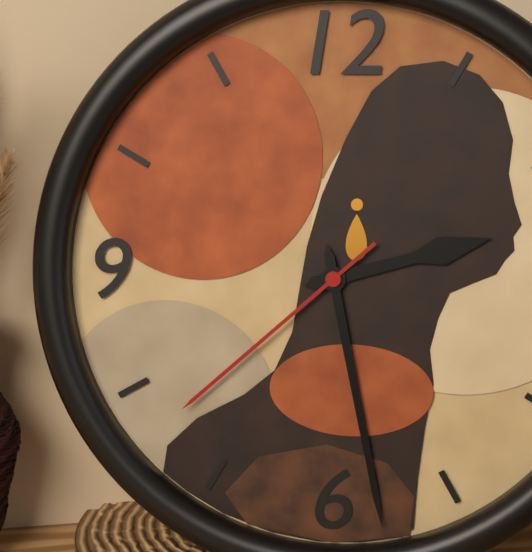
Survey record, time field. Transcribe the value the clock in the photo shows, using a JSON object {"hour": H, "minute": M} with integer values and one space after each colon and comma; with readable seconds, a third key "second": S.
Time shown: {"hour": 2, "minute": 28, "second": 38}
